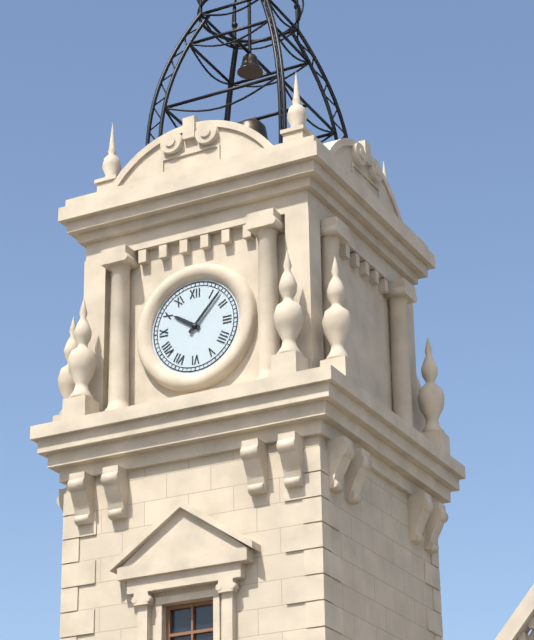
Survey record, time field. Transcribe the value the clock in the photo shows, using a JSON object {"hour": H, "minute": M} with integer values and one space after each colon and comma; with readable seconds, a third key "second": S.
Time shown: {"hour": 10, "minute": 7}
